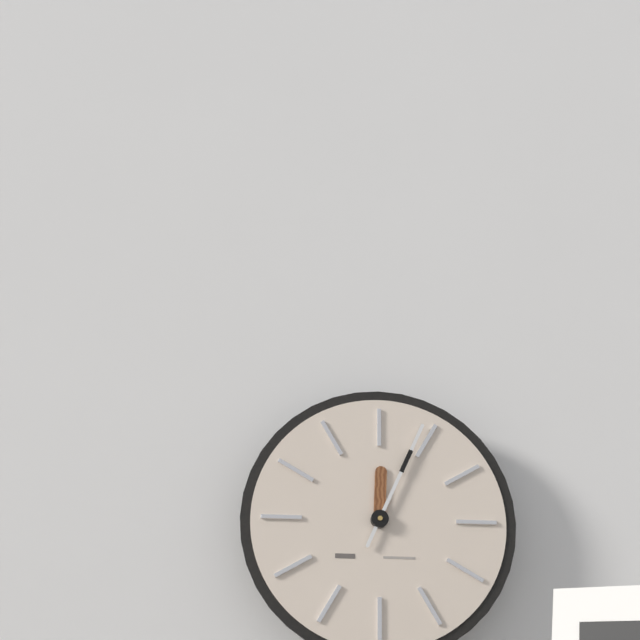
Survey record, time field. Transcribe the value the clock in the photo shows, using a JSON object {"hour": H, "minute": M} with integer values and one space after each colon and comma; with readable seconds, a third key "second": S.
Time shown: {"hour": 12, "minute": 4}
